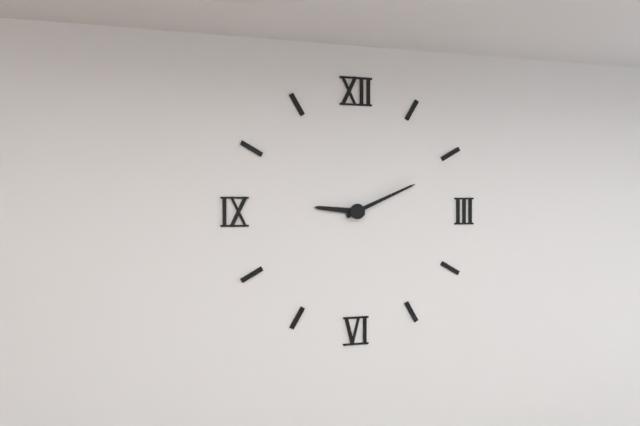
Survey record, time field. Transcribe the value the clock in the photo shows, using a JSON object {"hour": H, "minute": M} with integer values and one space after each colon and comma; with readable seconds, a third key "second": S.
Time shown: {"hour": 9, "minute": 11}
